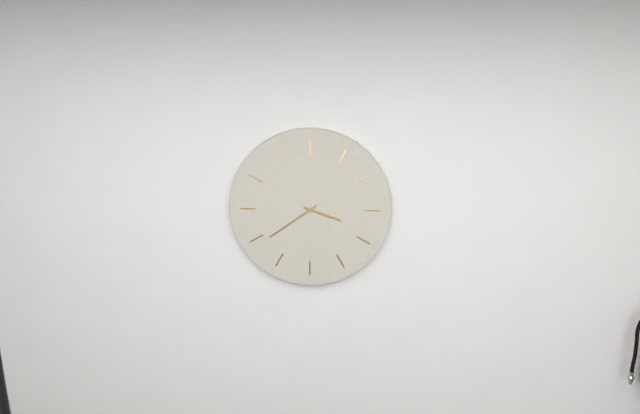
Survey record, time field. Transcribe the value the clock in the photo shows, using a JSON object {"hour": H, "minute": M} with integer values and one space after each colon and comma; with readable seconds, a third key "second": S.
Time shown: {"hour": 3, "minute": 39}
